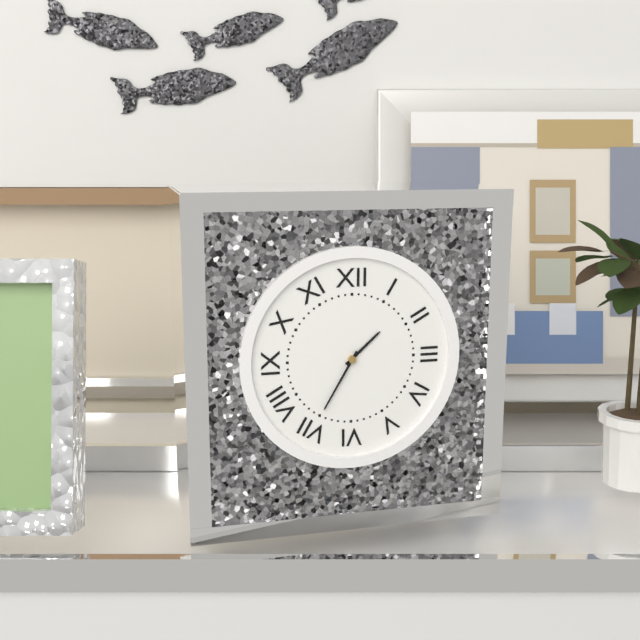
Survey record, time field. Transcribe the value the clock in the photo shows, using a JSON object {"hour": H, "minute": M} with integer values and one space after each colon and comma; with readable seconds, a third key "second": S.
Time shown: {"hour": 1, "minute": 35}
